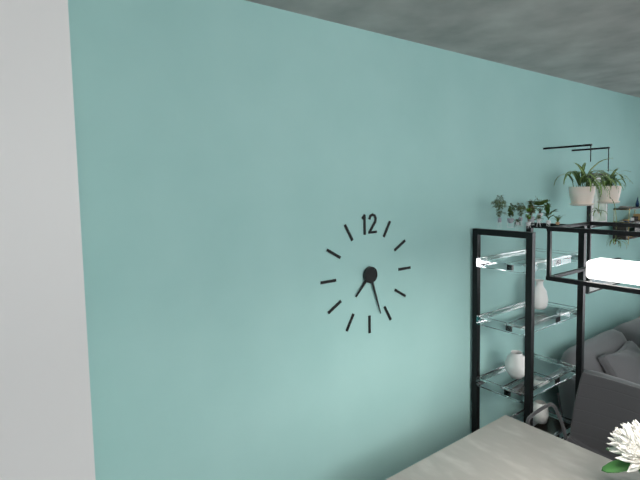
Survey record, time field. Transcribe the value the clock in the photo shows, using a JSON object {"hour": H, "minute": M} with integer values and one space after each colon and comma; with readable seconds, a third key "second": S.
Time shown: {"hour": 7, "minute": 27}
